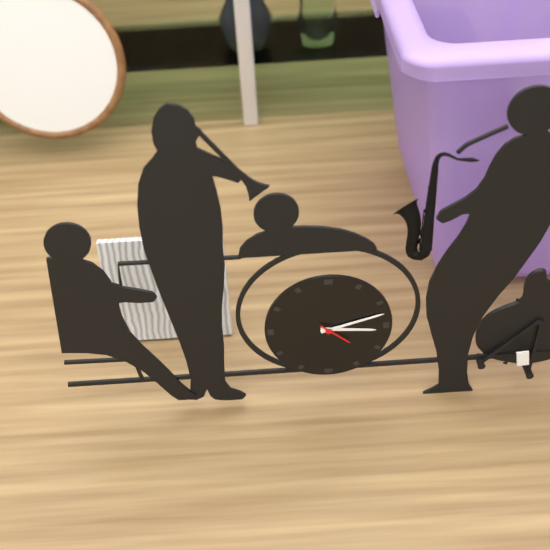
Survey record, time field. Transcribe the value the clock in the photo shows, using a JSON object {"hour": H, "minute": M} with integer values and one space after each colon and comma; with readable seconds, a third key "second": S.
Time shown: {"hour": 3, "minute": 12}
